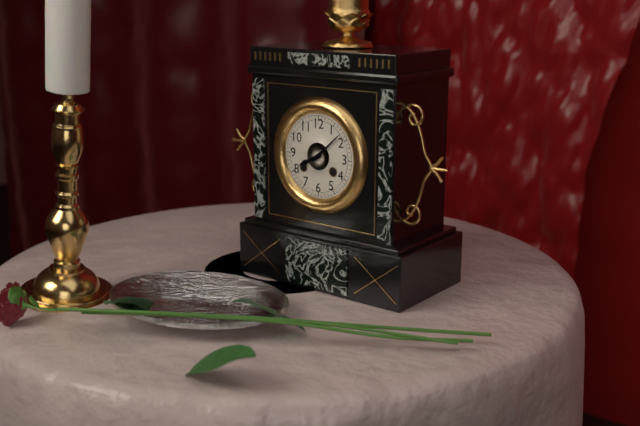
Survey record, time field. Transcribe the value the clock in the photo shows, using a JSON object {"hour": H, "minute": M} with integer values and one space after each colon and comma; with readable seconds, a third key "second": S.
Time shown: {"hour": 8, "minute": 8}
